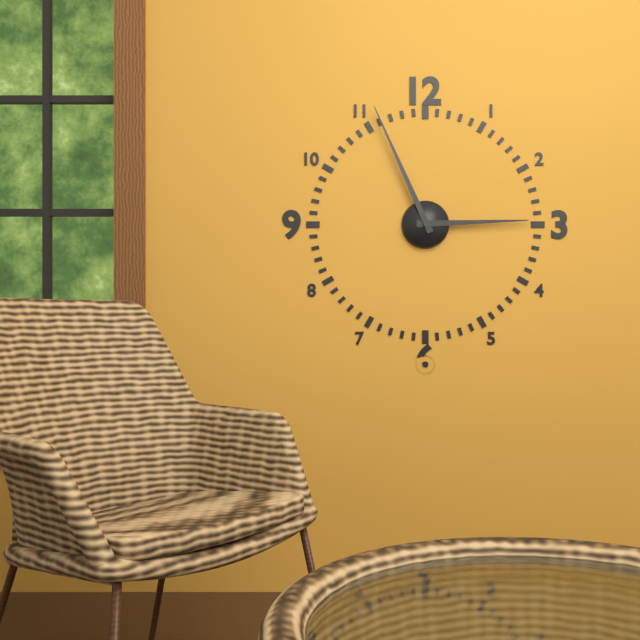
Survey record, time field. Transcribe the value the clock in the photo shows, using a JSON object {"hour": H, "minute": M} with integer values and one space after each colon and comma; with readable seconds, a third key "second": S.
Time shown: {"hour": 2, "minute": 56}
